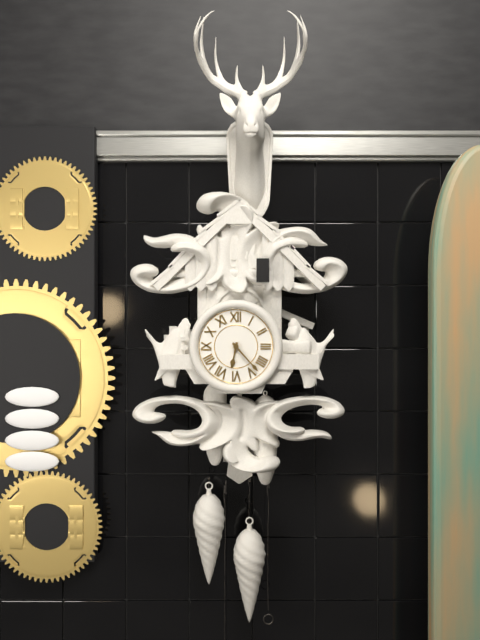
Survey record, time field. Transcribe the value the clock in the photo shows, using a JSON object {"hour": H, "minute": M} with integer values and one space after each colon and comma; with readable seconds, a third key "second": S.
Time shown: {"hour": 6, "minute": 23}
